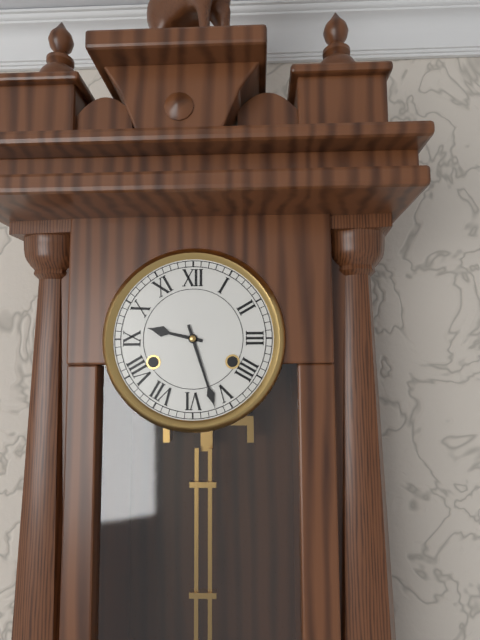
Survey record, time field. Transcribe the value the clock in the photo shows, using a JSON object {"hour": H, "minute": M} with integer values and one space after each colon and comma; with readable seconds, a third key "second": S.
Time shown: {"hour": 9, "minute": 27}
